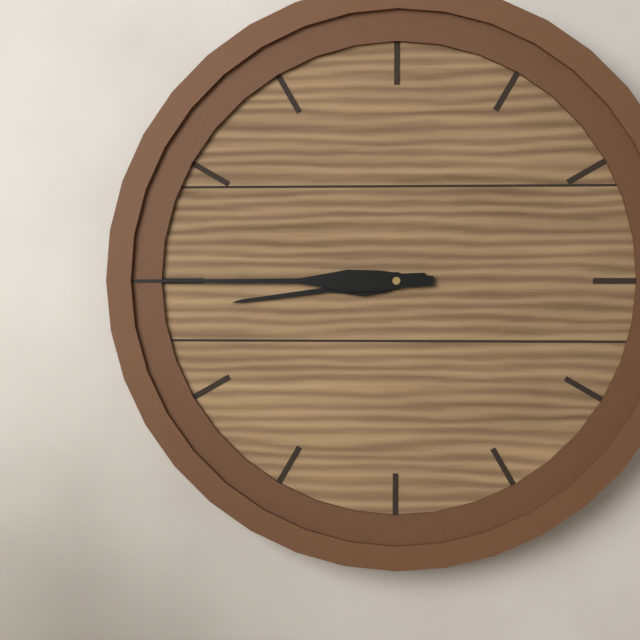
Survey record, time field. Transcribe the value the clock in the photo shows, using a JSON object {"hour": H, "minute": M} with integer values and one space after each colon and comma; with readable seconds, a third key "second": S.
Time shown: {"hour": 8, "minute": 45}
